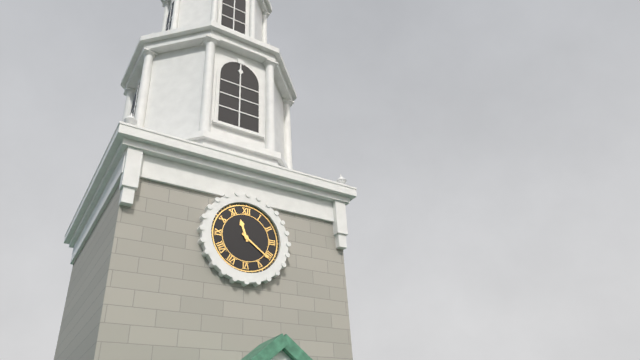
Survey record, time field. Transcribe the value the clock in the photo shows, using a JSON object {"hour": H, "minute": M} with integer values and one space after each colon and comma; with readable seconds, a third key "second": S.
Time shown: {"hour": 11, "minute": 21}
